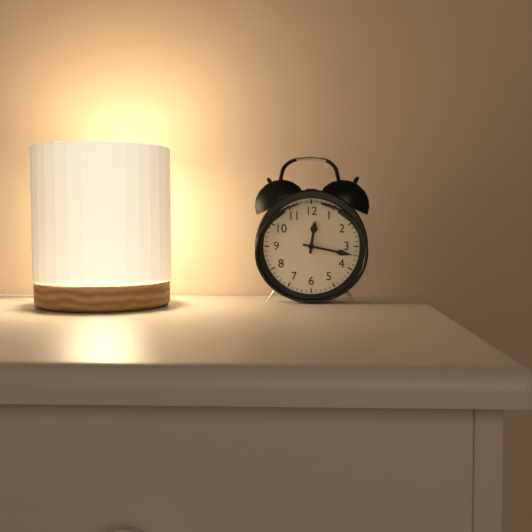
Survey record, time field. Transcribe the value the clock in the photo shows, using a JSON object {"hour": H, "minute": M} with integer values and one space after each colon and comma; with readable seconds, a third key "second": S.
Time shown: {"hour": 12, "minute": 17}
